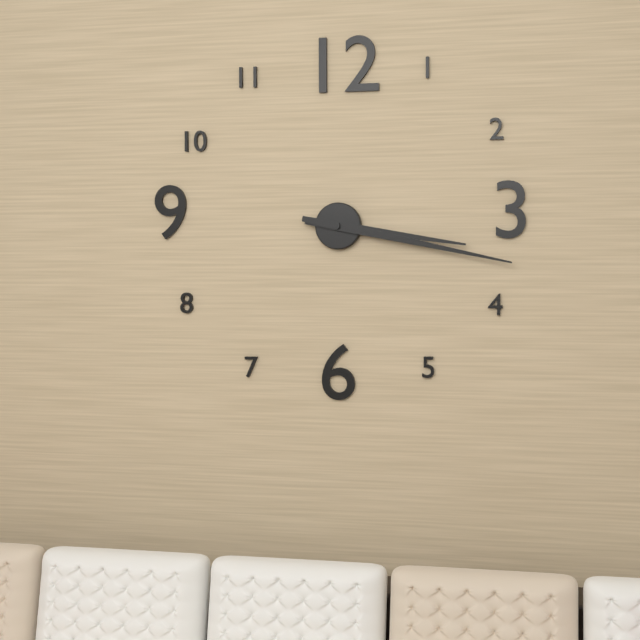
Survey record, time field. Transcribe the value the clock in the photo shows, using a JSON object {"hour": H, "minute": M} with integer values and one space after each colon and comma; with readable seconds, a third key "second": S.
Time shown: {"hour": 3, "minute": 17}
